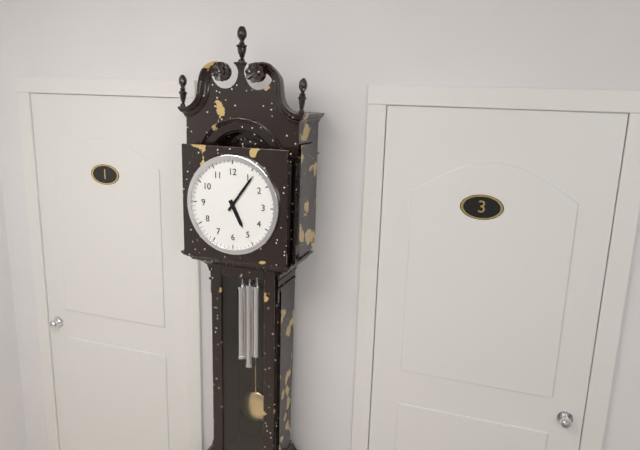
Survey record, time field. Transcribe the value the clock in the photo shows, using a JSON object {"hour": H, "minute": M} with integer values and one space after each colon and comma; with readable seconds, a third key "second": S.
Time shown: {"hour": 5, "minute": 6}
